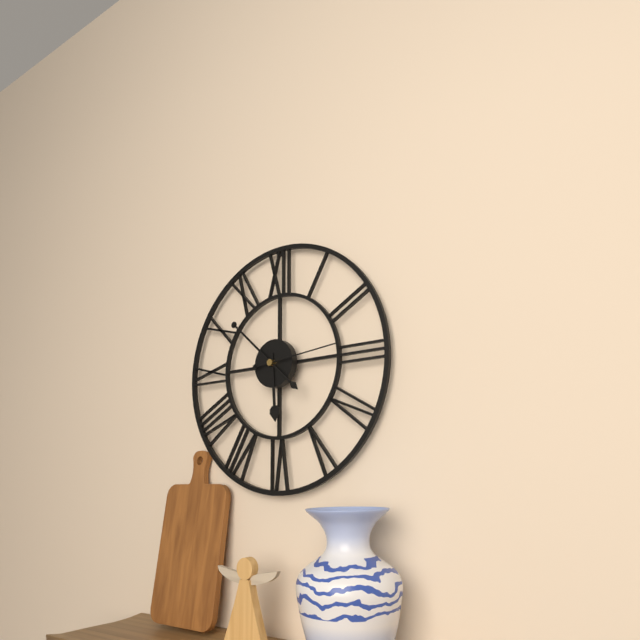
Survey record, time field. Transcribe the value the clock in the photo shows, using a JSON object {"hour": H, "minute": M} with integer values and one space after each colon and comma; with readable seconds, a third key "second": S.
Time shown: {"hour": 5, "minute": 52, "second": 14}
